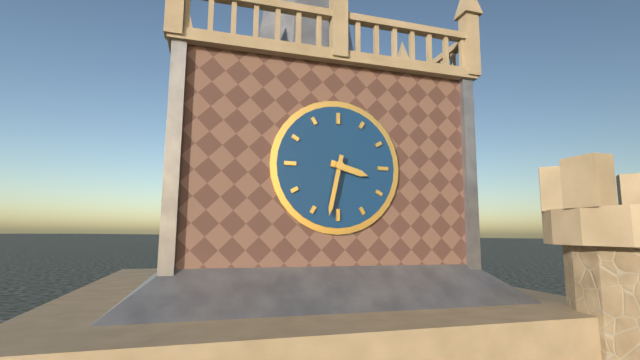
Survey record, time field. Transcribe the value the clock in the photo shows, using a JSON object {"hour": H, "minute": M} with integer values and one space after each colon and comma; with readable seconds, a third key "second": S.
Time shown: {"hour": 3, "minute": 32}
